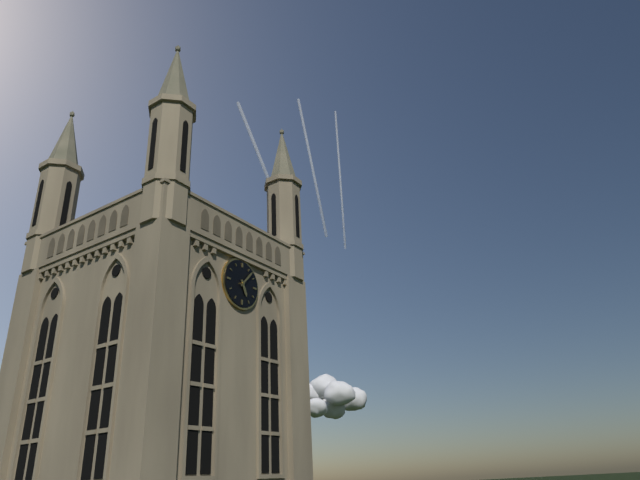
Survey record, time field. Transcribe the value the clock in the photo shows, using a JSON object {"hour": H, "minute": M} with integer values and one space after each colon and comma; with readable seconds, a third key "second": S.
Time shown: {"hour": 5, "minute": 7}
